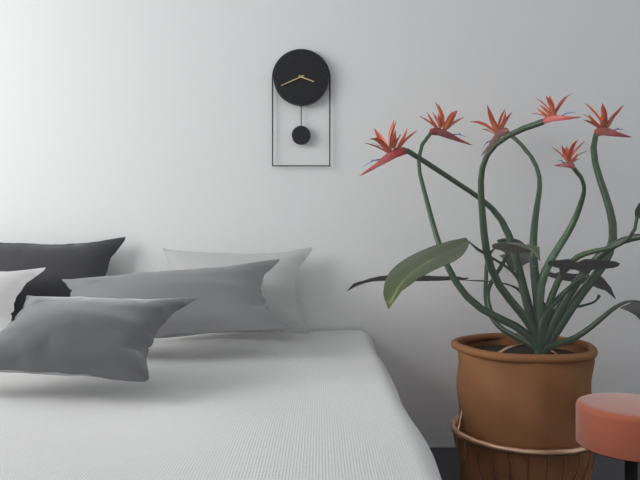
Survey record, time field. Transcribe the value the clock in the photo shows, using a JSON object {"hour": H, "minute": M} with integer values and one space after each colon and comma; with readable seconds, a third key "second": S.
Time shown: {"hour": 3, "minute": 41}
